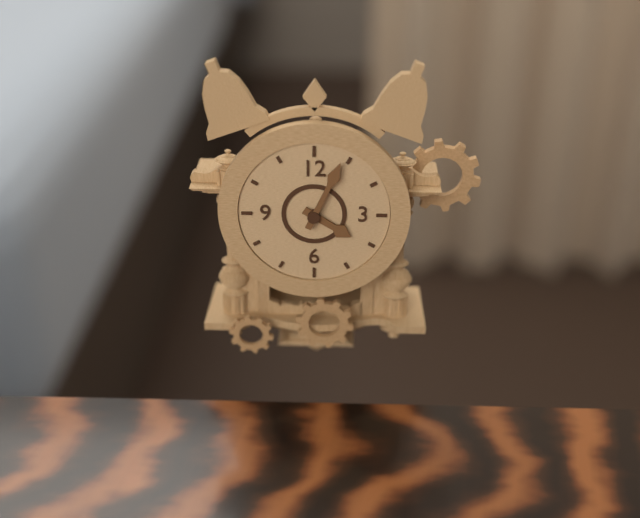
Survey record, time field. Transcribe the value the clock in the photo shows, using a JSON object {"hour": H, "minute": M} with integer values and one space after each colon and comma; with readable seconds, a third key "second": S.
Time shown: {"hour": 4, "minute": 4}
